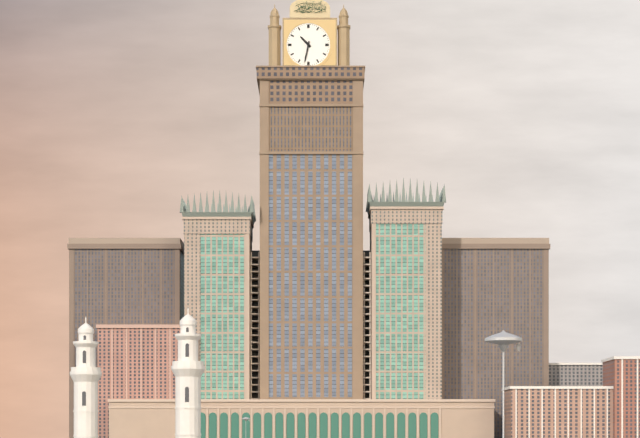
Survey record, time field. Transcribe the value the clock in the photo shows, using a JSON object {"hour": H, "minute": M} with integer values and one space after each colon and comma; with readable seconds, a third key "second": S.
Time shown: {"hour": 10, "minute": 32}
